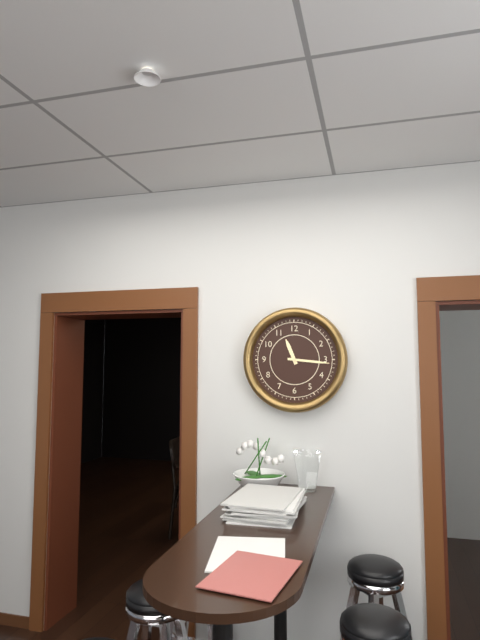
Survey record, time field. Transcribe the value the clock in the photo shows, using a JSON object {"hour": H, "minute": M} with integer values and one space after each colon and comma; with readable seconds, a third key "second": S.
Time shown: {"hour": 11, "minute": 16}
